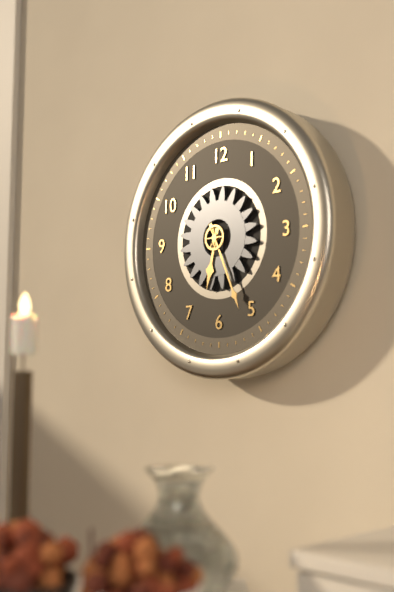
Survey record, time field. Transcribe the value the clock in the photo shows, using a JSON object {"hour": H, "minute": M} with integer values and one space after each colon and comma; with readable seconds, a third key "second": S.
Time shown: {"hour": 6, "minute": 26}
